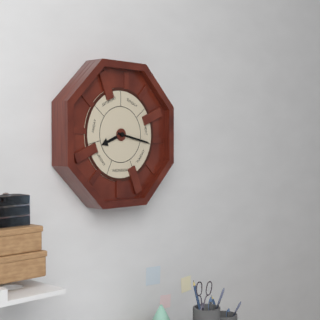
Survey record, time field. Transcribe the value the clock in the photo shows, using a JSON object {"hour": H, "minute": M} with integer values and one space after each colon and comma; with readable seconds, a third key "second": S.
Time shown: {"hour": 8, "minute": 17}
